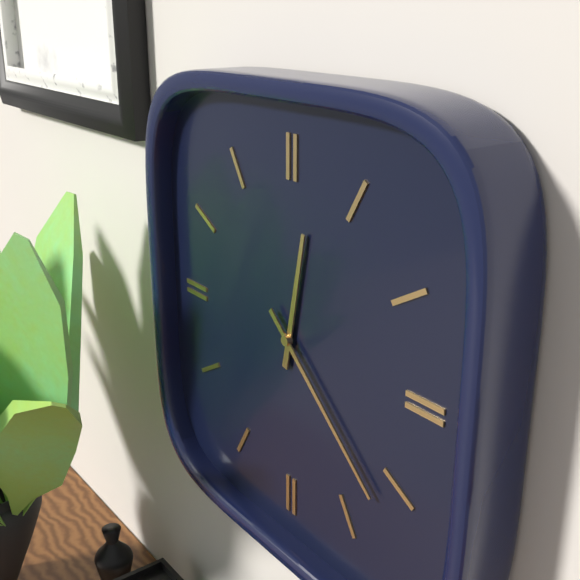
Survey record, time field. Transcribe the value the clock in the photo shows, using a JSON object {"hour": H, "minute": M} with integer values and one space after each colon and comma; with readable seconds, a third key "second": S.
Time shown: {"hour": 12, "minute": 22}
